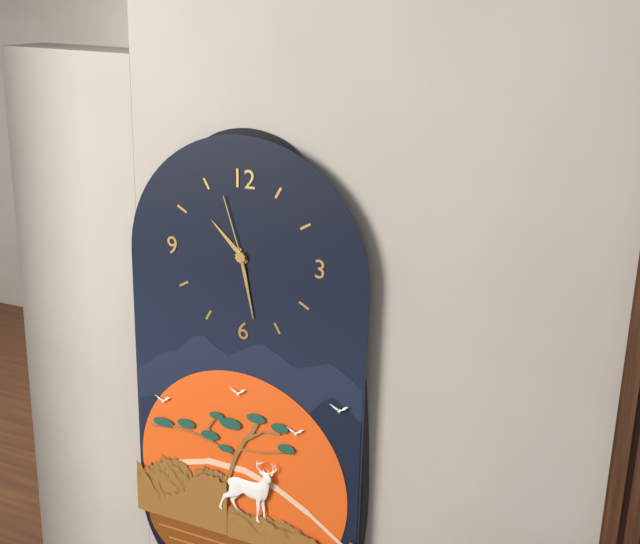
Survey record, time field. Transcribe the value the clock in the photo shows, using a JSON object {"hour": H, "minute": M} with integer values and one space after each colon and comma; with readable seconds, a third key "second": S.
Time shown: {"hour": 10, "minute": 28, "second": 57}
